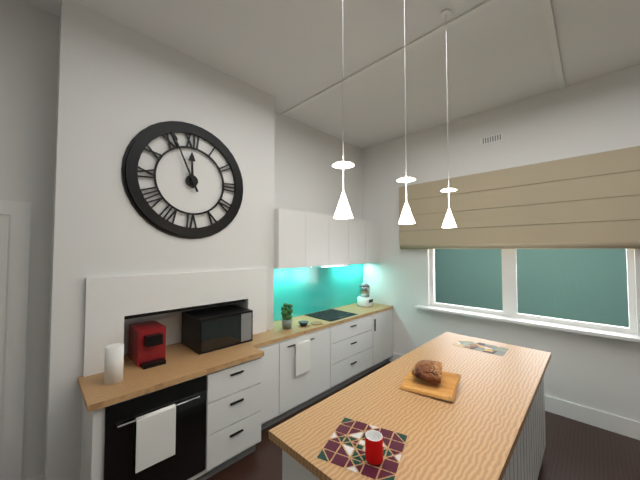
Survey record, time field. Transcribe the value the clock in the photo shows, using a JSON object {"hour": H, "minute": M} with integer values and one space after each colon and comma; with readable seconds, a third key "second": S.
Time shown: {"hour": 11, "minute": 56}
